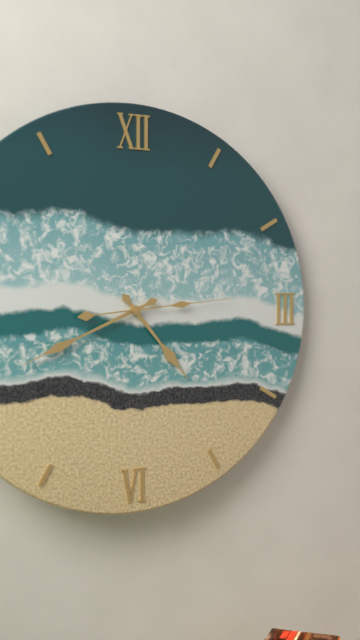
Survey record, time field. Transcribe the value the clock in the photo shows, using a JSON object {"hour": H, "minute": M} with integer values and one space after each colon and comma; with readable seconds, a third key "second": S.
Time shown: {"hour": 4, "minute": 41, "second": 14}
